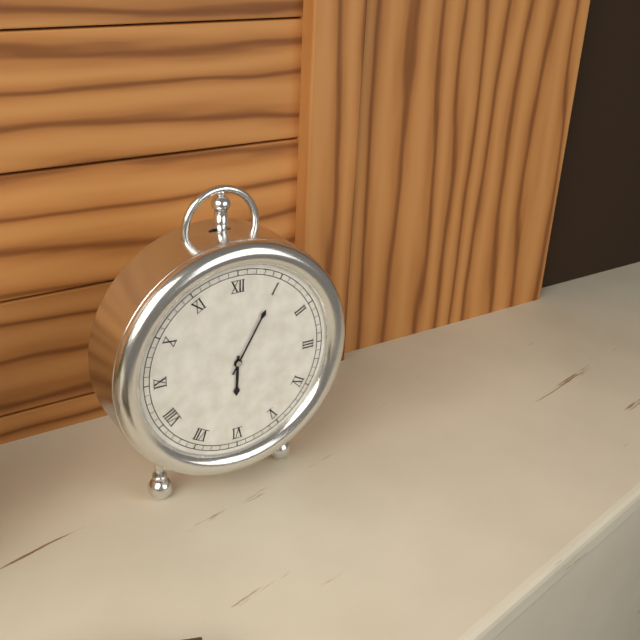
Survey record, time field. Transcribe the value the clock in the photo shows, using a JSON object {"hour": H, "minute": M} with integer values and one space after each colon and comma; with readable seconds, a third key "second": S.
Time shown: {"hour": 6, "minute": 5}
